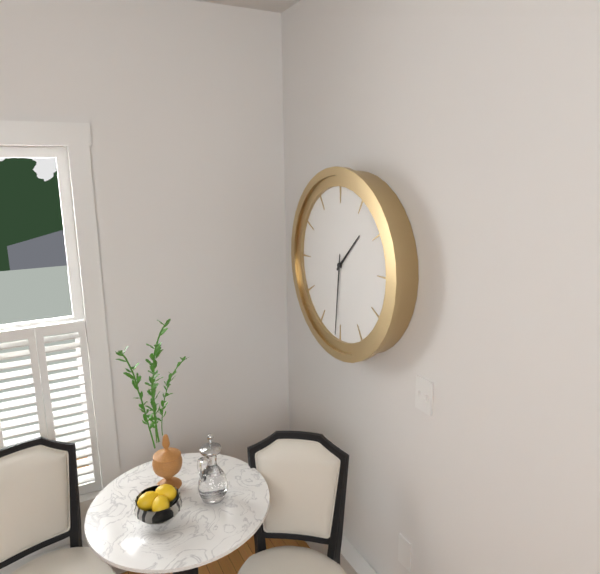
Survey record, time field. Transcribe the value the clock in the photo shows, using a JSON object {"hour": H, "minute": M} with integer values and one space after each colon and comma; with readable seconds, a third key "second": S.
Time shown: {"hour": 1, "minute": 31}
